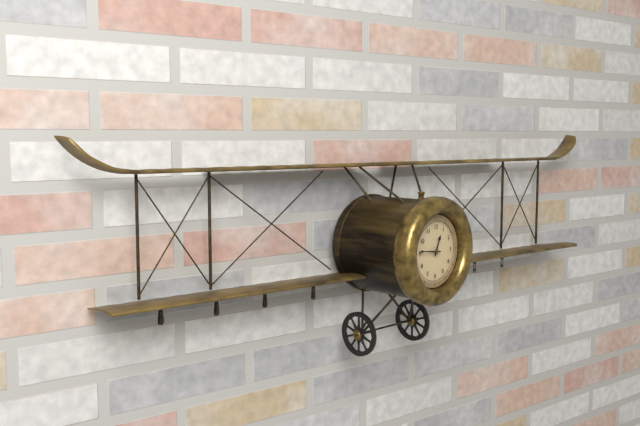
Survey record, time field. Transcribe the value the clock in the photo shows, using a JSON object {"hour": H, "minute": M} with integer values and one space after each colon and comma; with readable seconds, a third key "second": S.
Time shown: {"hour": 12, "minute": 46}
